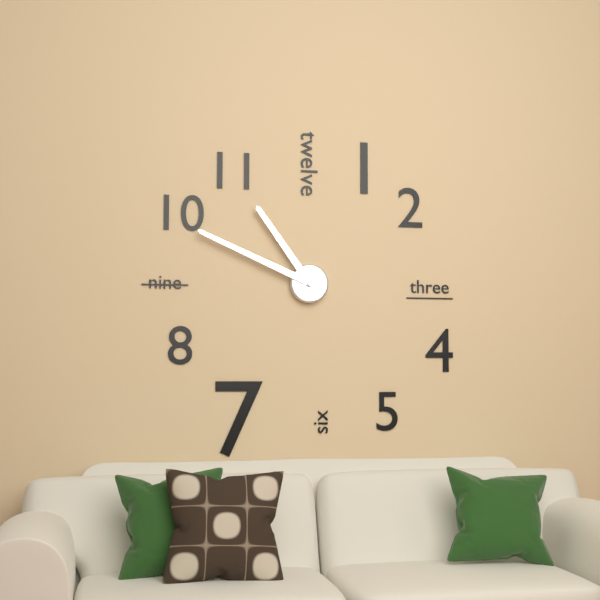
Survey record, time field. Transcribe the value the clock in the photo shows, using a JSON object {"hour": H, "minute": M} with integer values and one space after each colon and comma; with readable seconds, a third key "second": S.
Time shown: {"hour": 10, "minute": 49}
